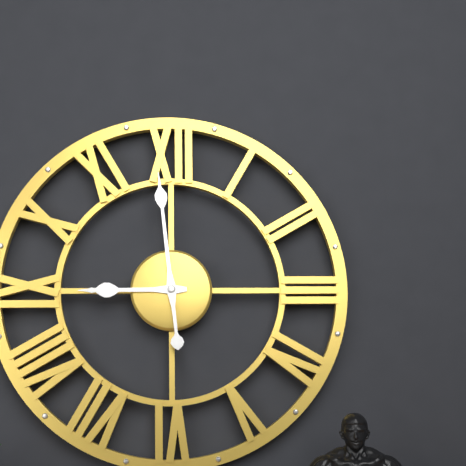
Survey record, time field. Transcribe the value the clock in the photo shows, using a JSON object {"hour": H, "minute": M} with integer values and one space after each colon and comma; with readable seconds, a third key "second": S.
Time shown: {"hour": 8, "minute": 59}
